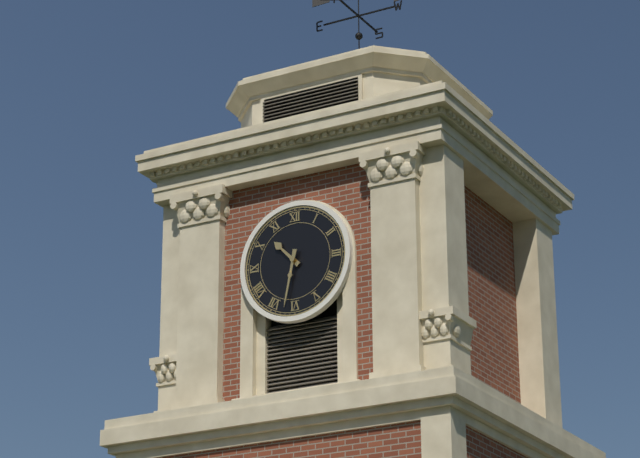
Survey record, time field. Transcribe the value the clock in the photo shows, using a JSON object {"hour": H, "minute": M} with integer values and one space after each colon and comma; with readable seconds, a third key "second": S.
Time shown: {"hour": 10, "minute": 32}
